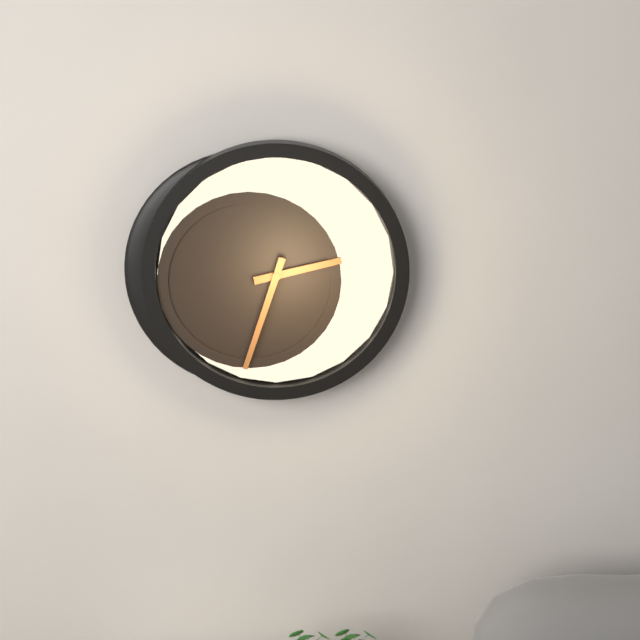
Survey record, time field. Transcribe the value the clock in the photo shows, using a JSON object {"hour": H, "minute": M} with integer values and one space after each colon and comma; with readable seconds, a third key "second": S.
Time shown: {"hour": 2, "minute": 33}
